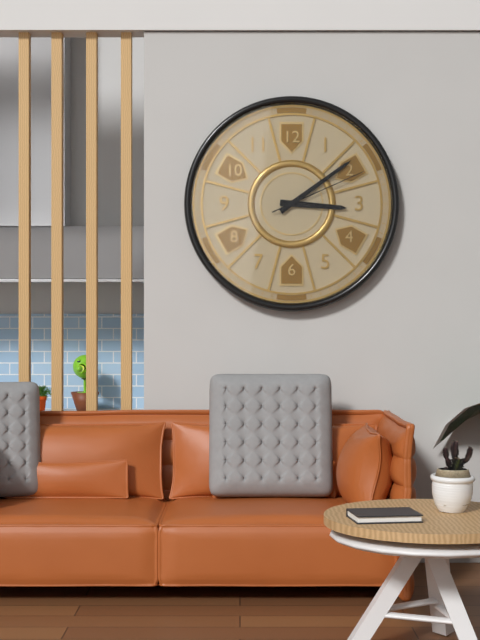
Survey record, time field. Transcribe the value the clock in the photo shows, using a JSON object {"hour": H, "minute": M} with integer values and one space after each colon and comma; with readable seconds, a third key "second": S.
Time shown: {"hour": 3, "minute": 9, "second": 11}
